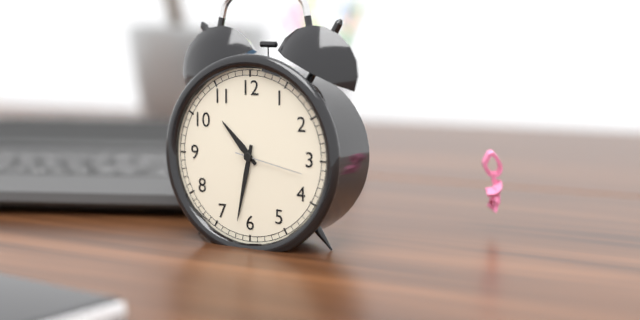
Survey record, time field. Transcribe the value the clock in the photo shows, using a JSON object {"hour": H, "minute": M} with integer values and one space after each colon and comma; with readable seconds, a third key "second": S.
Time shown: {"hour": 10, "minute": 32, "second": 17}
